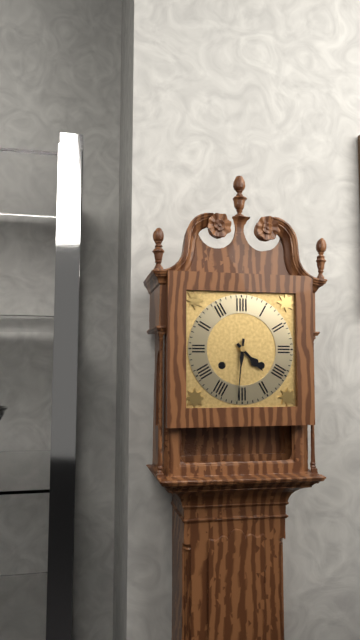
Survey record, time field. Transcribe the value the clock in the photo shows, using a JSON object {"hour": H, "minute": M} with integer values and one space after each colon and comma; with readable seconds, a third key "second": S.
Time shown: {"hour": 4, "minute": 31}
